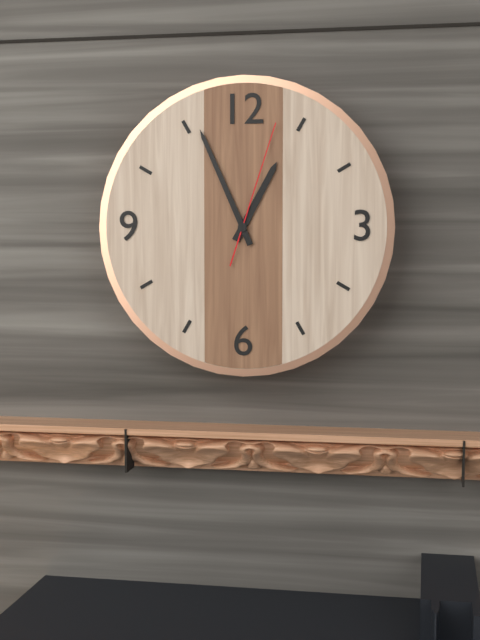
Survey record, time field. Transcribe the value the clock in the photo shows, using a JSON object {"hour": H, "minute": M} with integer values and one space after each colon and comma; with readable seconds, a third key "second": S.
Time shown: {"hour": 12, "minute": 56, "second": 3}
